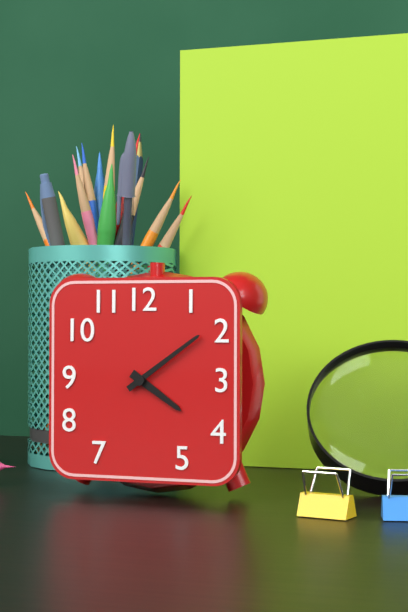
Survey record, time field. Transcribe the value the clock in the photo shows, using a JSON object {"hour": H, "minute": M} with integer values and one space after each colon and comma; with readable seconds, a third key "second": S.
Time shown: {"hour": 4, "minute": 9}
